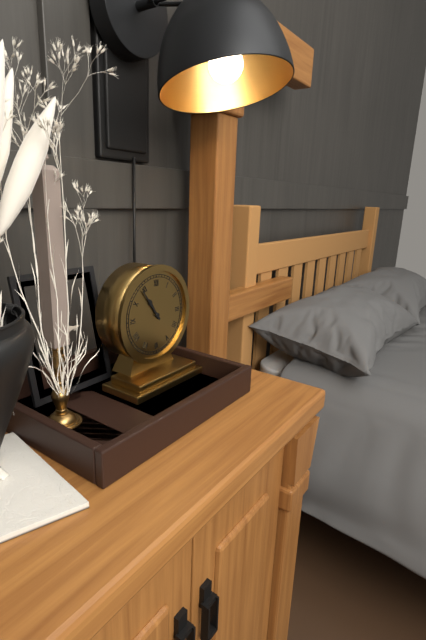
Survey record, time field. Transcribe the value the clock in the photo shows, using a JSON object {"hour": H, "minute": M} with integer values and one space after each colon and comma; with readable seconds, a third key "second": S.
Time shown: {"hour": 10, "minute": 54}
